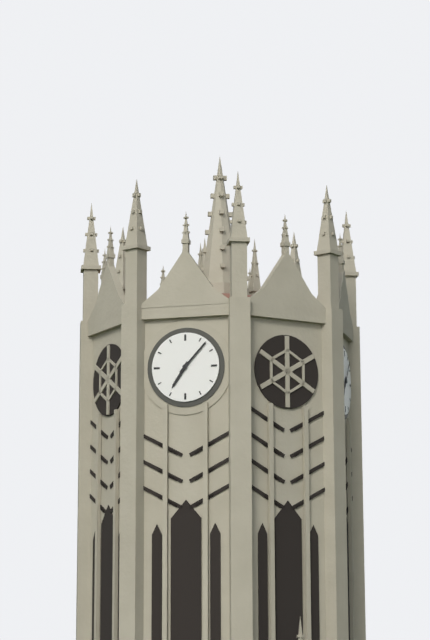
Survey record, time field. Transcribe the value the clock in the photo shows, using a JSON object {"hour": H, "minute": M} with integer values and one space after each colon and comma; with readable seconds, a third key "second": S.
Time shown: {"hour": 7, "minute": 7}
